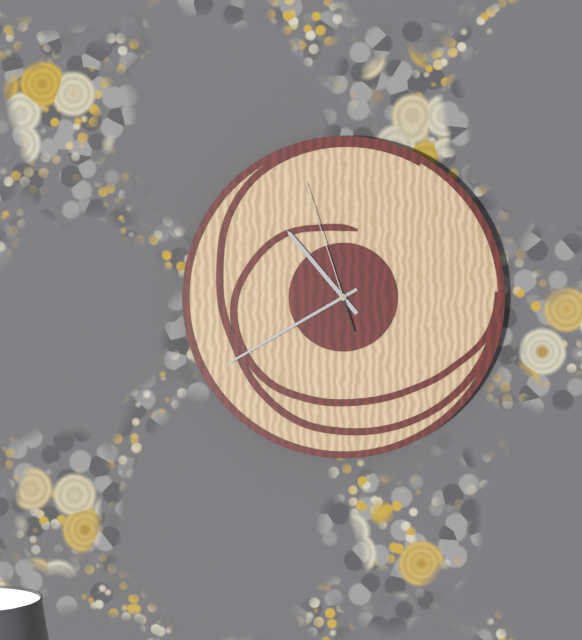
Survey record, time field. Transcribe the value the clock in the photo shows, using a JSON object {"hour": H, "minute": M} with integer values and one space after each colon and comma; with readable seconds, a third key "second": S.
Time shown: {"hour": 10, "minute": 40, "second": 57}
